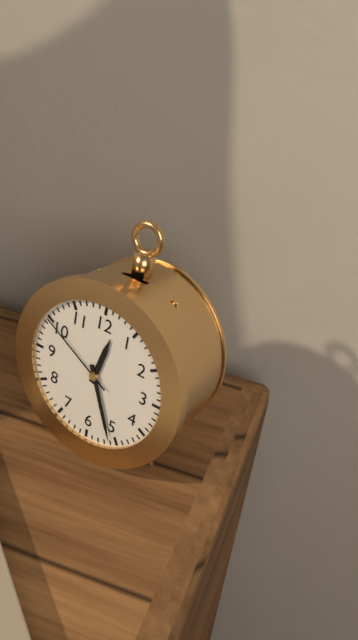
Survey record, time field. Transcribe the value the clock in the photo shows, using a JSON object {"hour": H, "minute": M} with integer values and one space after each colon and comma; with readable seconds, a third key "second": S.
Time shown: {"hour": 12, "minute": 26, "second": 50}
